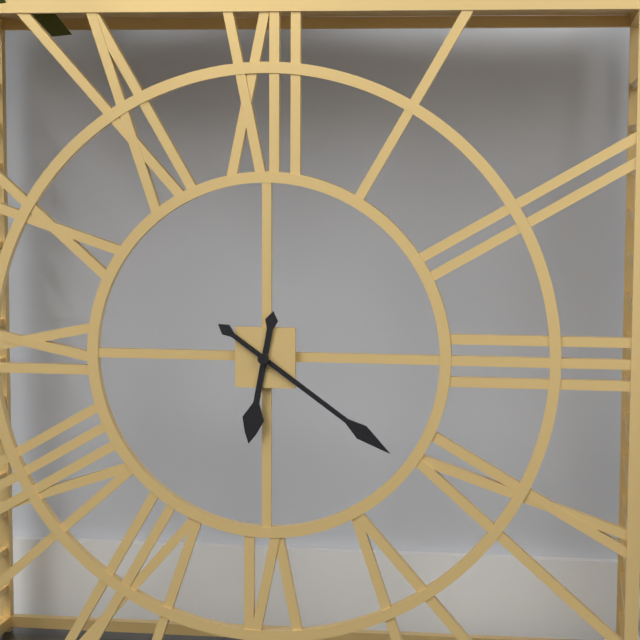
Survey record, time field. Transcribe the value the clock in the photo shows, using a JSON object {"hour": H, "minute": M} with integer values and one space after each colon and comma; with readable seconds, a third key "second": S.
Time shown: {"hour": 6, "minute": 21}
